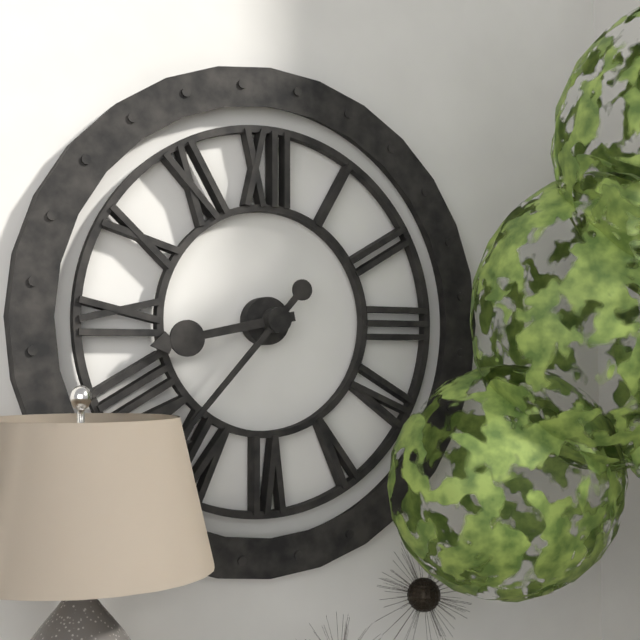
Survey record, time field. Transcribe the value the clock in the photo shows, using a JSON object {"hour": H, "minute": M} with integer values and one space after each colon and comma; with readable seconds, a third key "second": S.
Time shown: {"hour": 8, "minute": 37}
